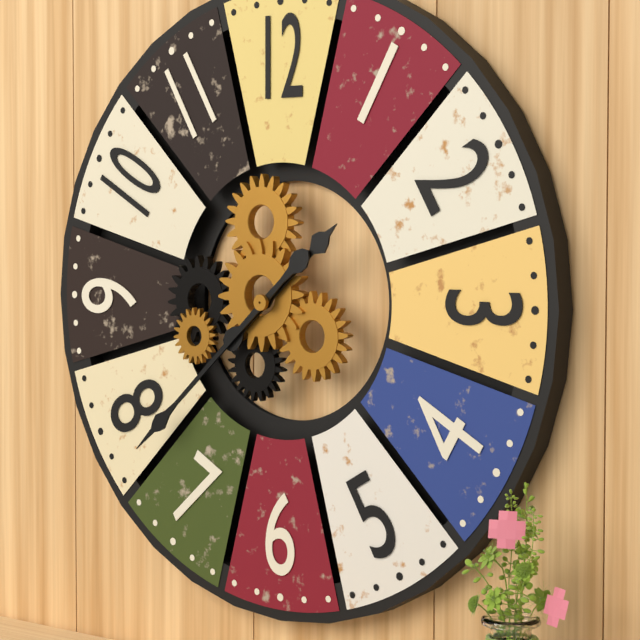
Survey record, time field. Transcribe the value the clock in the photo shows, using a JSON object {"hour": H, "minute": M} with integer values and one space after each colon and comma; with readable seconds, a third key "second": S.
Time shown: {"hour": 1, "minute": 38}
